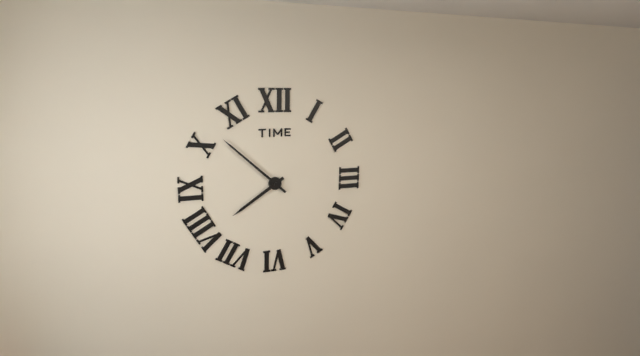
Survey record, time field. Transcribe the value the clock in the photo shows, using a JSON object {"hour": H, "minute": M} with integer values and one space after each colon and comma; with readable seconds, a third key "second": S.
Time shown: {"hour": 7, "minute": 52}
